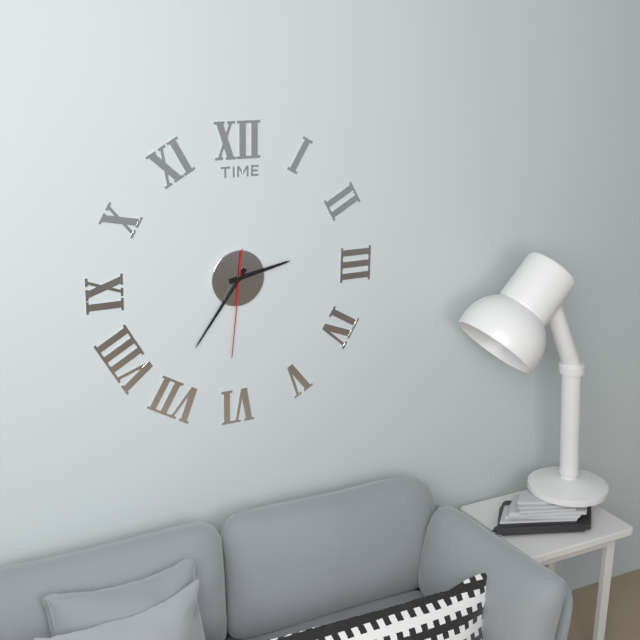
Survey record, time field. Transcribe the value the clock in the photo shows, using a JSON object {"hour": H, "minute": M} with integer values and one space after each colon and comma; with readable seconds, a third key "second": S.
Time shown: {"hour": 2, "minute": 36, "second": 31}
